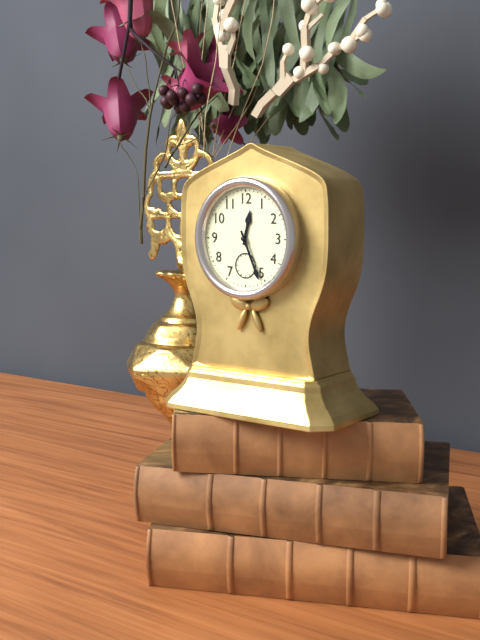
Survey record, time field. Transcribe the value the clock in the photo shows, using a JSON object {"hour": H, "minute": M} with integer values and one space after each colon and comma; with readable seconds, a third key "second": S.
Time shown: {"hour": 12, "minute": 26}
